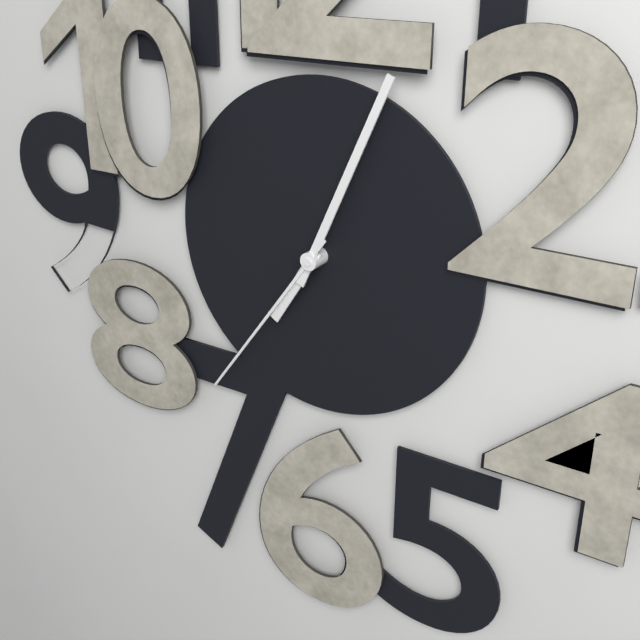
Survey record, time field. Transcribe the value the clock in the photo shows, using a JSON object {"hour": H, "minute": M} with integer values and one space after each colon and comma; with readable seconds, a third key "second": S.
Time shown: {"hour": 7, "minute": 4, "second": 36}
